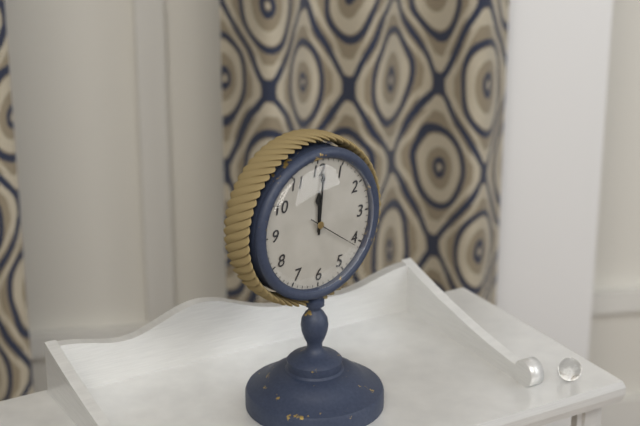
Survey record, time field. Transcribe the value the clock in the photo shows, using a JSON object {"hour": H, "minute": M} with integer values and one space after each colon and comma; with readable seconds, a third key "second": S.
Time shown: {"hour": 12, "minute": 1, "second": 21}
